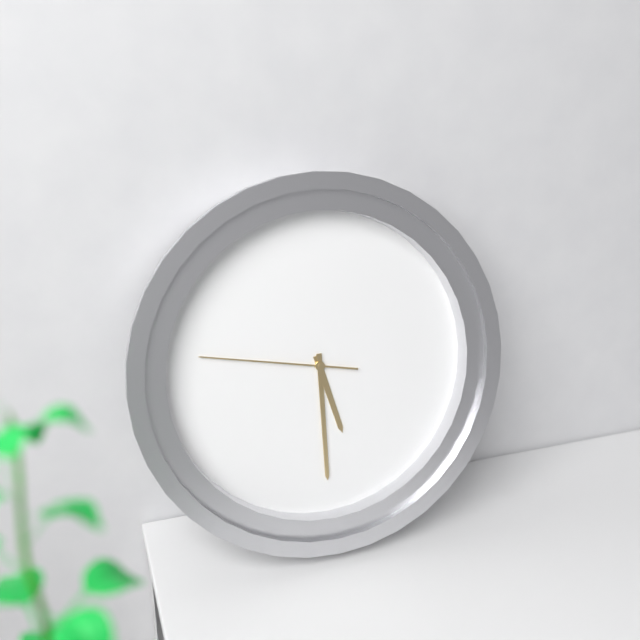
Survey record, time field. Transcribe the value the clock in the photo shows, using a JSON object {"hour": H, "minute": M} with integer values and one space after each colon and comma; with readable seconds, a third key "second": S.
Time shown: {"hour": 5, "minute": 30, "second": 47}
